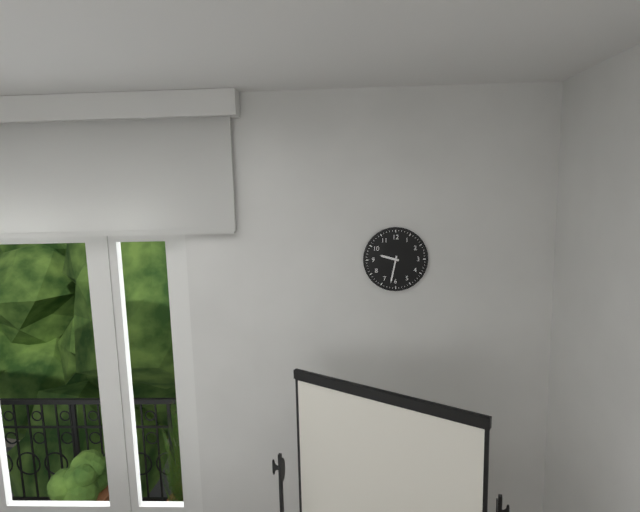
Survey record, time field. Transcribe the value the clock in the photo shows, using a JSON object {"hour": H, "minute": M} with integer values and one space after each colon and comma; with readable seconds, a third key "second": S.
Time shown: {"hour": 9, "minute": 32}
